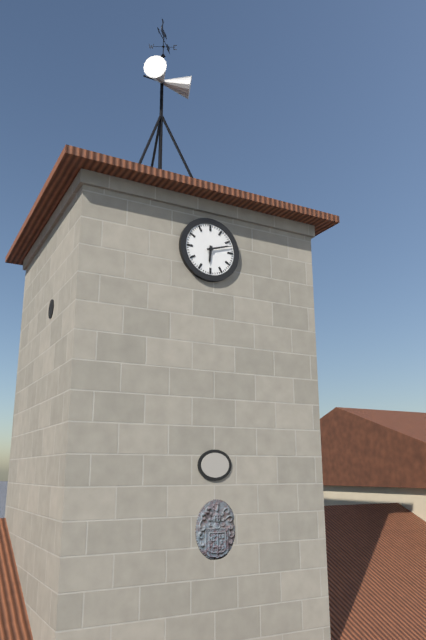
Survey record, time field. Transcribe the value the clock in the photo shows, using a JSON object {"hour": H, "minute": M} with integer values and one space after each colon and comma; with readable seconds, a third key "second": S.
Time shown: {"hour": 6, "minute": 12}
